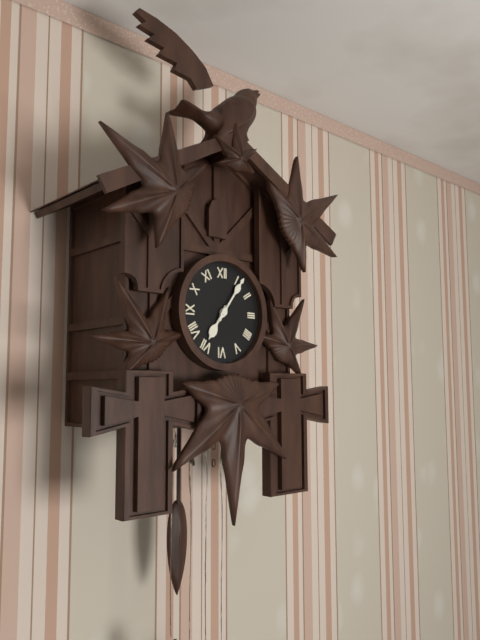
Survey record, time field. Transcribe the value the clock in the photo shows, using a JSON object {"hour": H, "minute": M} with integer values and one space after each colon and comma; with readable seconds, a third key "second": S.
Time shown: {"hour": 7, "minute": 6}
